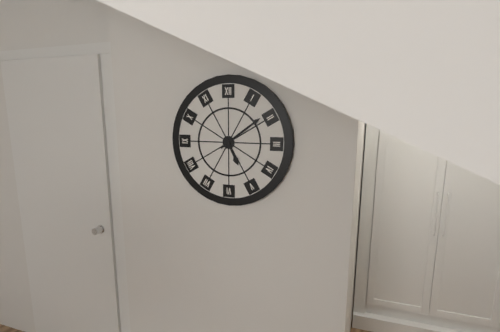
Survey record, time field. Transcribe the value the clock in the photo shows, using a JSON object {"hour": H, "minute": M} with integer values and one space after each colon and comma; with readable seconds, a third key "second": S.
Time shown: {"hour": 5, "minute": 9}
